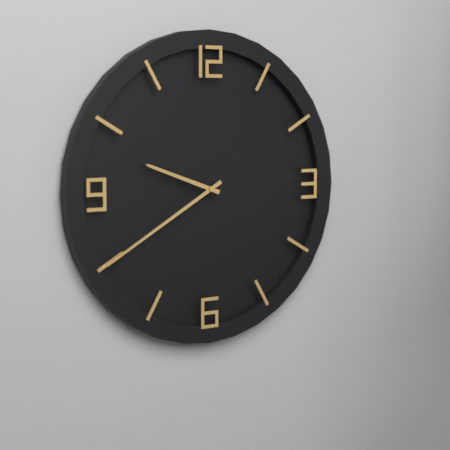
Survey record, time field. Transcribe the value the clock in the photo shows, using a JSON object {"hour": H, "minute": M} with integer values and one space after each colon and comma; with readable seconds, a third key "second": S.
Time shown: {"hour": 9, "minute": 40}
